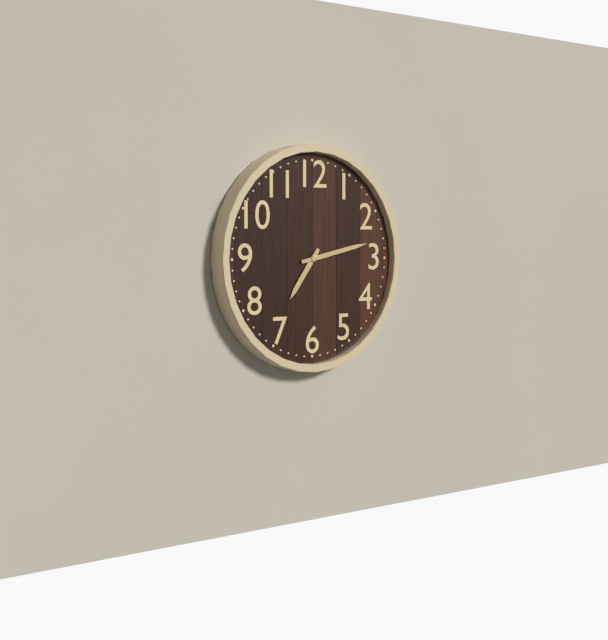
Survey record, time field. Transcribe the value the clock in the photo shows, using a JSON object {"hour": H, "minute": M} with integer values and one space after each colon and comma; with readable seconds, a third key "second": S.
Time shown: {"hour": 7, "minute": 13}
